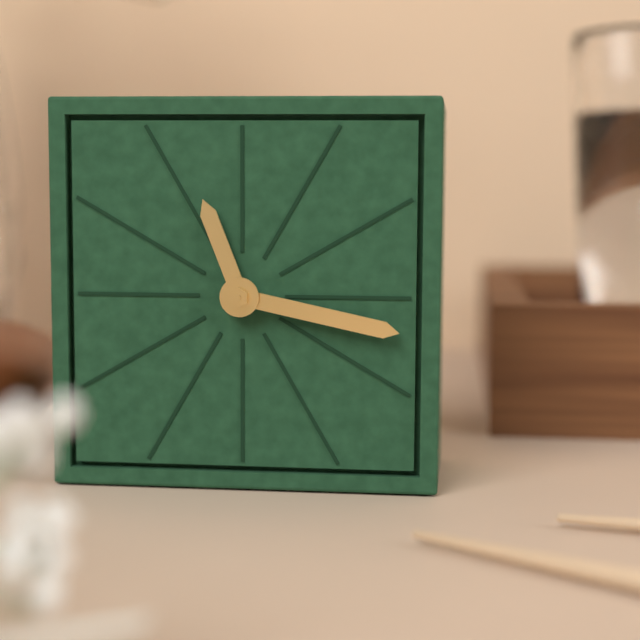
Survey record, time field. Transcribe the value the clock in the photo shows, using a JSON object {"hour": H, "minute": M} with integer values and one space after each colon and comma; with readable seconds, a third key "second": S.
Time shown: {"hour": 11, "minute": 17}
